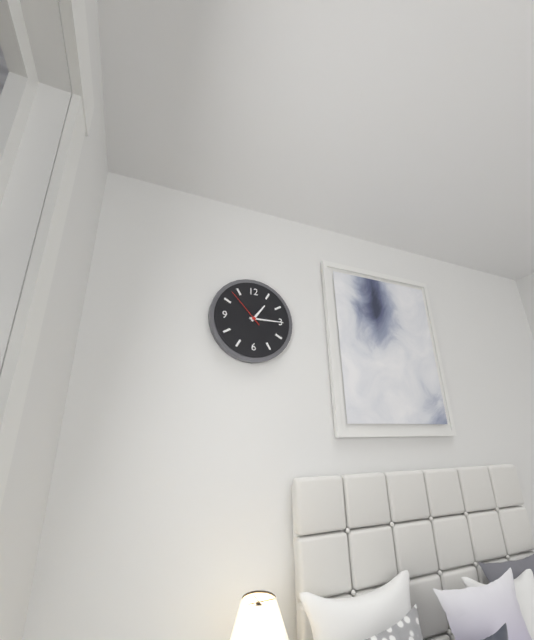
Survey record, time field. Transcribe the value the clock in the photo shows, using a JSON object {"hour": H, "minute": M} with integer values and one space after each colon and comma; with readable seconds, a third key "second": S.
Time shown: {"hour": 1, "minute": 15}
